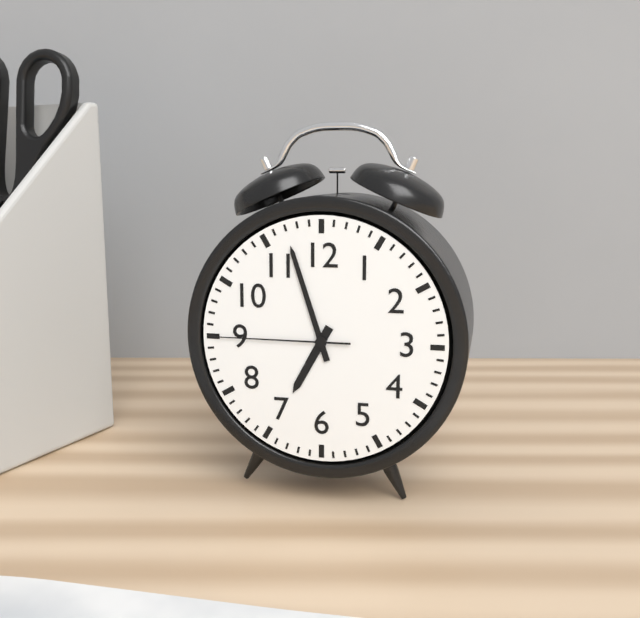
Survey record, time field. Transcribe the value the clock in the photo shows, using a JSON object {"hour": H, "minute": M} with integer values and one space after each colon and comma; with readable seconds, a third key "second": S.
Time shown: {"hour": 6, "minute": 57, "second": 45}
